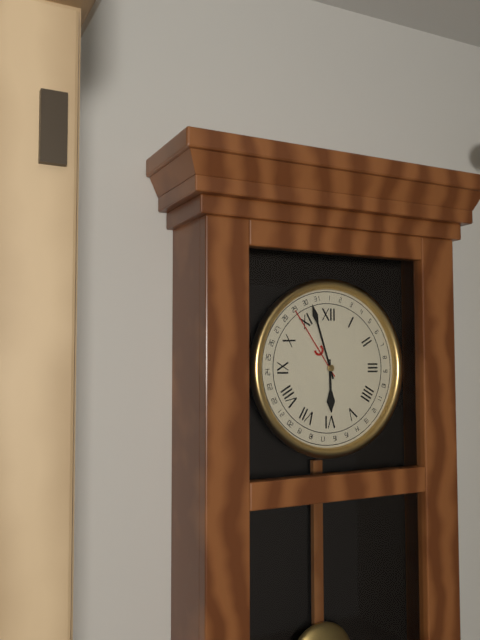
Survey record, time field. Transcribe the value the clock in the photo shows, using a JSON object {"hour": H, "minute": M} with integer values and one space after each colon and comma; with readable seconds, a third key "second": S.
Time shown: {"hour": 5, "minute": 57}
